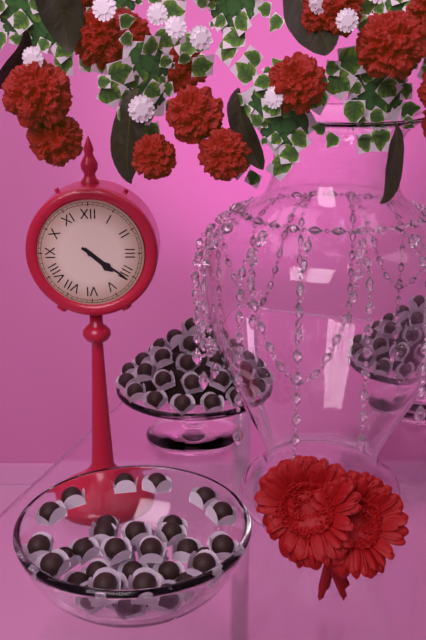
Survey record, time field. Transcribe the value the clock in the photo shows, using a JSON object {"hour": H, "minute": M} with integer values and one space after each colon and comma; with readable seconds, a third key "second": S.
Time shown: {"hour": 4, "minute": 21}
